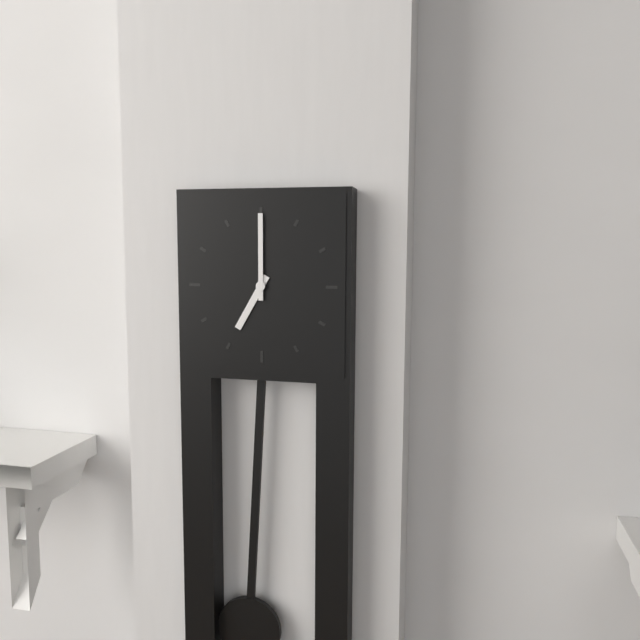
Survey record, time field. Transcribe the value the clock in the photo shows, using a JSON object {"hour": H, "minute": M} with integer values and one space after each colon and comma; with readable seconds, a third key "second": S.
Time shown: {"hour": 7, "minute": 0}
